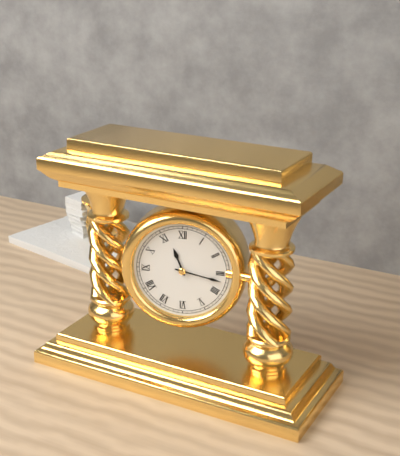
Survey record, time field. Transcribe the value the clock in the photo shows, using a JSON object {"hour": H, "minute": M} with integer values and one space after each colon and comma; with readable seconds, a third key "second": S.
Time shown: {"hour": 11, "minute": 17}
